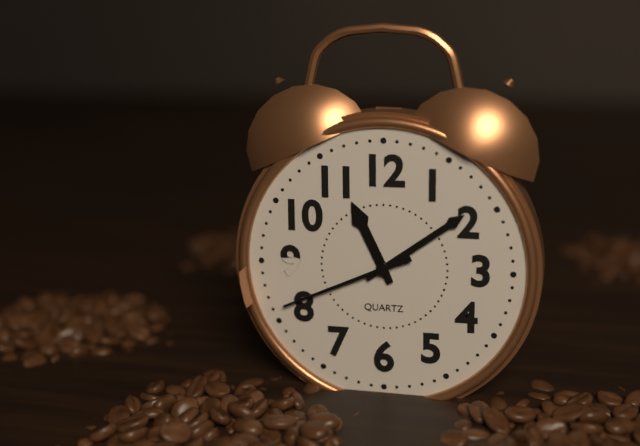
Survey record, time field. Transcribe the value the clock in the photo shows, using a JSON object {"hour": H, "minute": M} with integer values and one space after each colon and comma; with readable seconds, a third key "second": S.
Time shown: {"hour": 11, "minute": 9, "second": 41}
